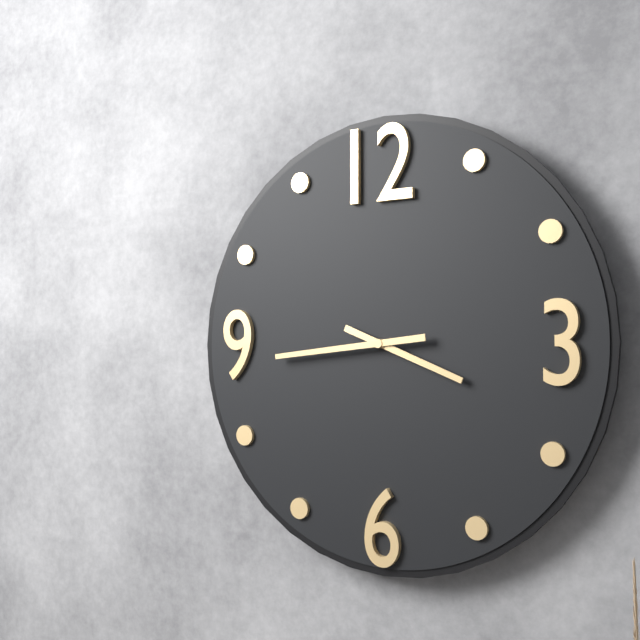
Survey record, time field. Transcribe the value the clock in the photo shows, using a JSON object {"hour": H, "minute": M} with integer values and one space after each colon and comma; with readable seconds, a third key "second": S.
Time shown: {"hour": 3, "minute": 44}
